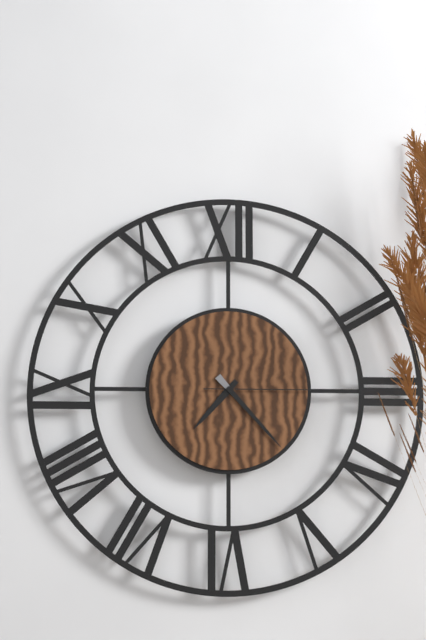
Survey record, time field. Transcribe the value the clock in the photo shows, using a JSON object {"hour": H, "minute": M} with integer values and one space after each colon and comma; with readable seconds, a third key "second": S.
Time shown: {"hour": 7, "minute": 23, "second": 15}
